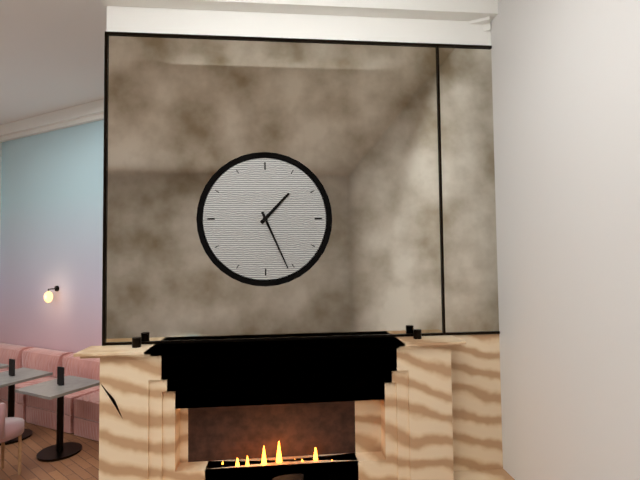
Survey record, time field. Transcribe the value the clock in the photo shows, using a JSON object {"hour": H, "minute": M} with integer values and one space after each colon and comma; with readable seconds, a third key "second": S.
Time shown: {"hour": 1, "minute": 26}
